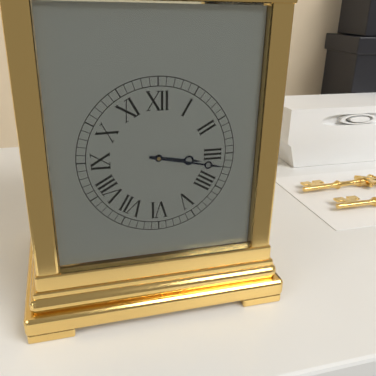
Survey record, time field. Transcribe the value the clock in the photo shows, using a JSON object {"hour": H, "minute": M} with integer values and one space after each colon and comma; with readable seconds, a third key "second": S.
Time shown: {"hour": 3, "minute": 17}
